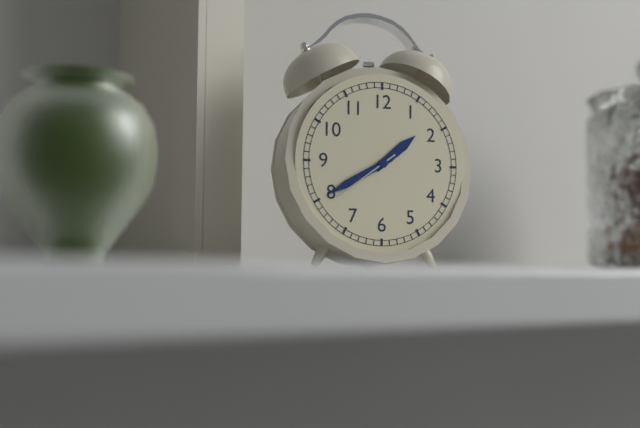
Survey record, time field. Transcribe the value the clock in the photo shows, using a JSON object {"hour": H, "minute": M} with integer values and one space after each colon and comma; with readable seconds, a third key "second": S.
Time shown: {"hour": 1, "minute": 40, "second": 39}
